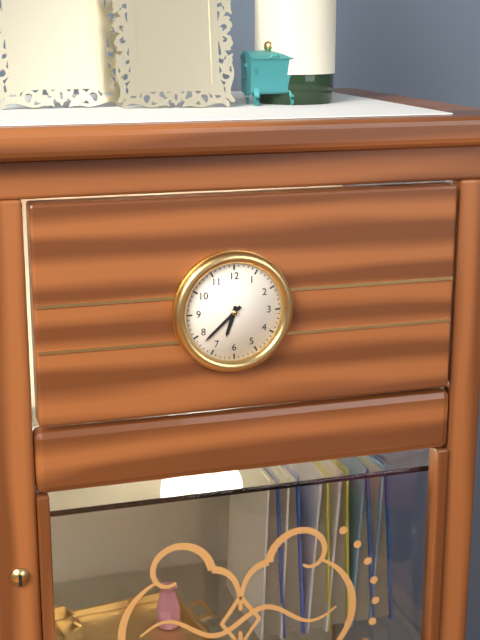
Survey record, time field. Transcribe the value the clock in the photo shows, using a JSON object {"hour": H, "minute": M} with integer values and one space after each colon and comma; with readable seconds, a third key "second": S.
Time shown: {"hour": 6, "minute": 38}
